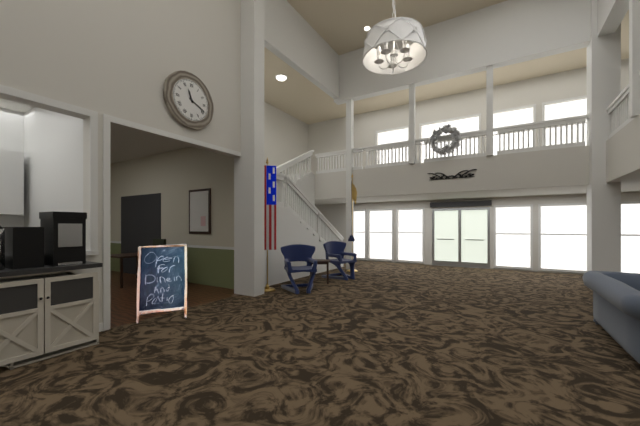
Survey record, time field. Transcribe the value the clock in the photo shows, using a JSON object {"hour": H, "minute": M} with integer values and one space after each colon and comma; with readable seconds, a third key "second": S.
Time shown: {"hour": 11, "minute": 19}
